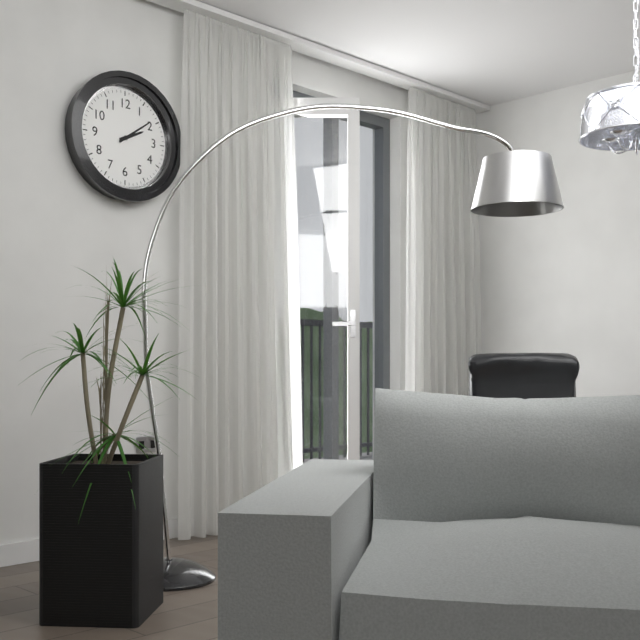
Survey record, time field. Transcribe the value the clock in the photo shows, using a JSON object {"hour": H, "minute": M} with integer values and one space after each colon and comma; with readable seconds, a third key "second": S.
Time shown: {"hour": 2, "minute": 9}
